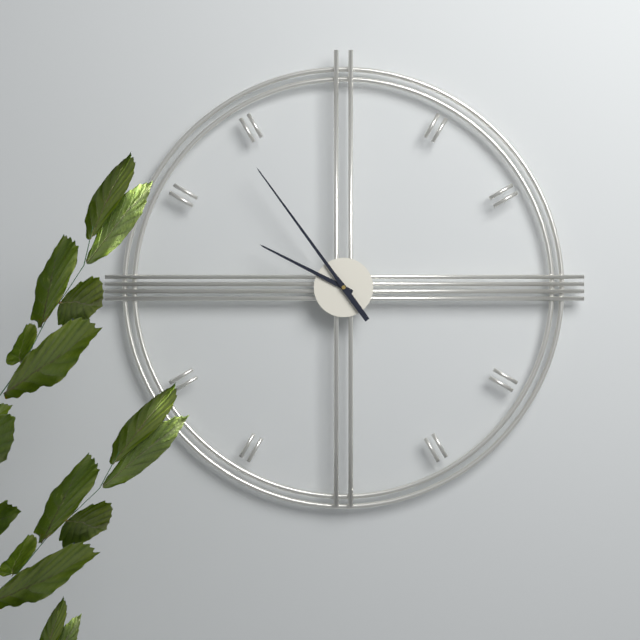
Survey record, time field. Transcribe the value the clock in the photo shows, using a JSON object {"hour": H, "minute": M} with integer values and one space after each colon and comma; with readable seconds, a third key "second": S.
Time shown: {"hour": 9, "minute": 54}
